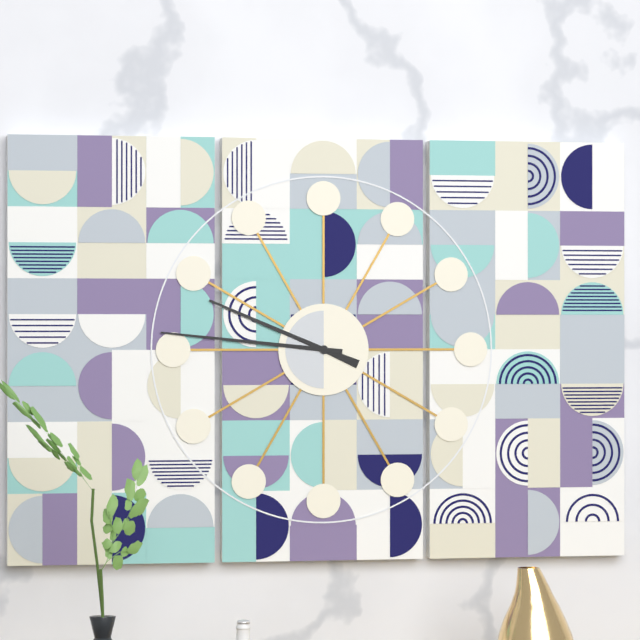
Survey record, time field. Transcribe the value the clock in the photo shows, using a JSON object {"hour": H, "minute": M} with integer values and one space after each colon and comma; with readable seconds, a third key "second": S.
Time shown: {"hour": 9, "minute": 46}
